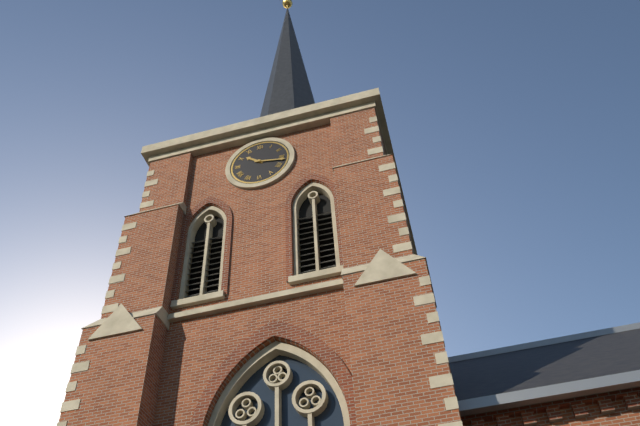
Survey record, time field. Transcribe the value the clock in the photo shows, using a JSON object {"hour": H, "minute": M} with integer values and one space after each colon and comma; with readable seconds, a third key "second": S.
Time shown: {"hour": 10, "minute": 17}
